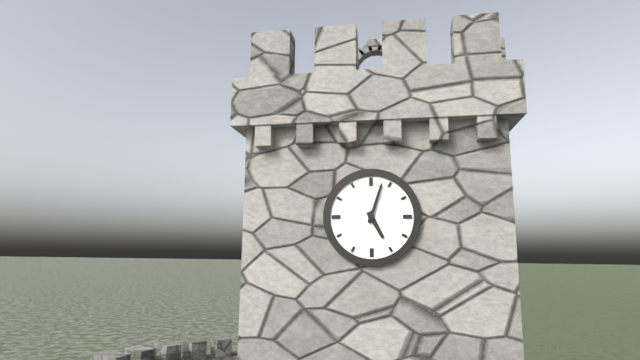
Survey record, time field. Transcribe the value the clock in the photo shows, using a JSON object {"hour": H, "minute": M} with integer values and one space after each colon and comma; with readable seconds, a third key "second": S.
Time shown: {"hour": 5, "minute": 3}
